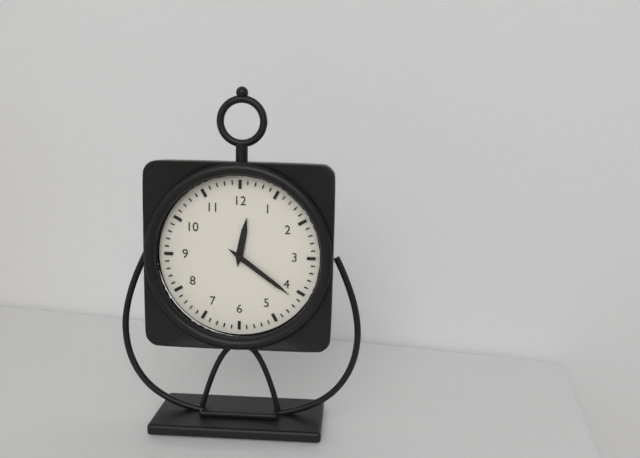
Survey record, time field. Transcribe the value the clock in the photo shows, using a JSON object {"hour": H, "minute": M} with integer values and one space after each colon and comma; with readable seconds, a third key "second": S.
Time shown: {"hour": 12, "minute": 21}
